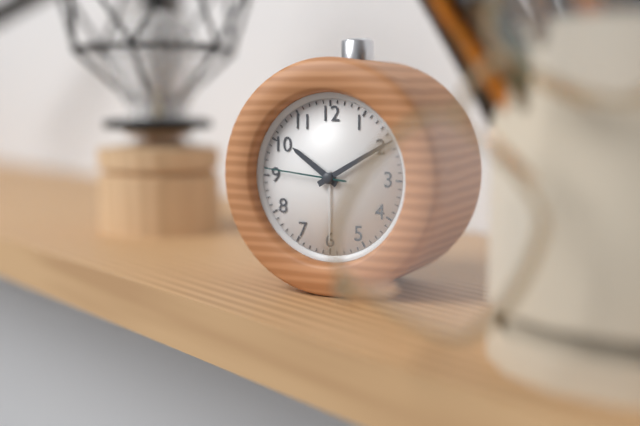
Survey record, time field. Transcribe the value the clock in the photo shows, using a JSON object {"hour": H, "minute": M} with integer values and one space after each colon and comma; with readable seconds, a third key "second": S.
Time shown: {"hour": 10, "minute": 10, "second": 46}
